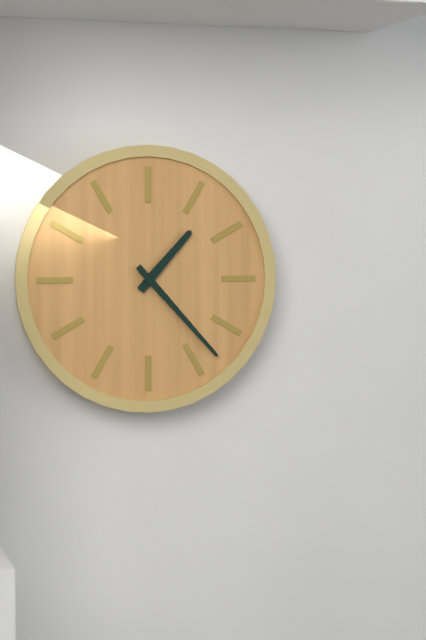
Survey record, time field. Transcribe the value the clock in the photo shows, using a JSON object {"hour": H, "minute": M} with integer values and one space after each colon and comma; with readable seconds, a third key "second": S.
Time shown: {"hour": 1, "minute": 23}
